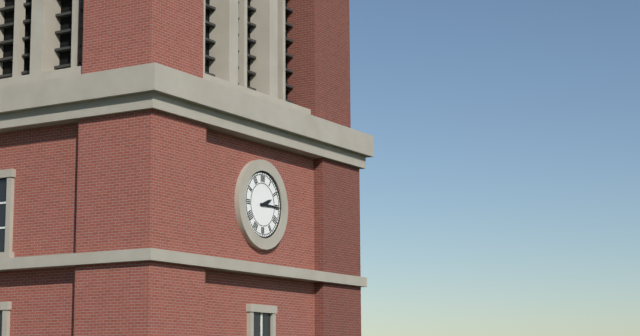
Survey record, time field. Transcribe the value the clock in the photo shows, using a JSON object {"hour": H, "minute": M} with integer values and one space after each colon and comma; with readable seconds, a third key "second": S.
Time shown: {"hour": 2, "minute": 15}
